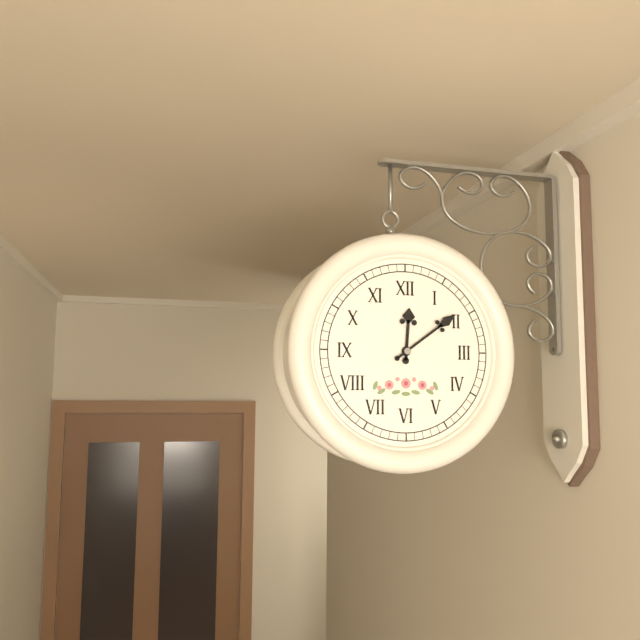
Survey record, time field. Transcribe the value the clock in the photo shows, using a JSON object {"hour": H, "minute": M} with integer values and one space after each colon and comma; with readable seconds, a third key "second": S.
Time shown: {"hour": 12, "minute": 9}
